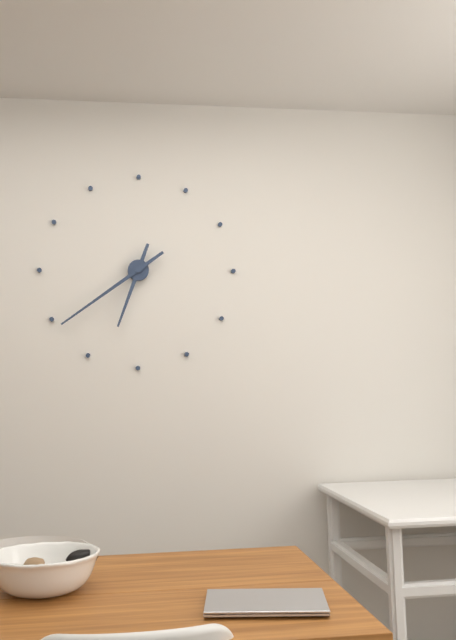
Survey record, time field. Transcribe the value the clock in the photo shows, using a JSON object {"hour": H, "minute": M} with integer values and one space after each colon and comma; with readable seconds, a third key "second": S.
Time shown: {"hour": 6, "minute": 39}
